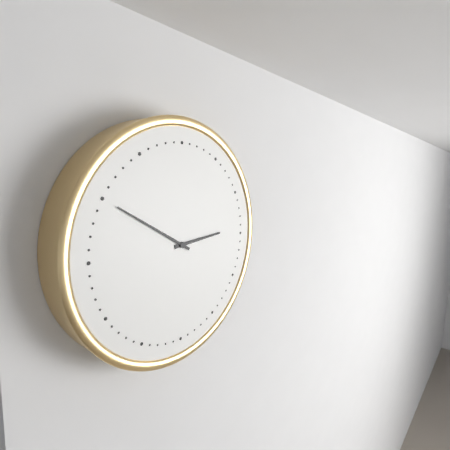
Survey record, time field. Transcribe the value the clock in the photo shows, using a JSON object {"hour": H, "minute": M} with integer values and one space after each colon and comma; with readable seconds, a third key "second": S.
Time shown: {"hour": 2, "minute": 50}
